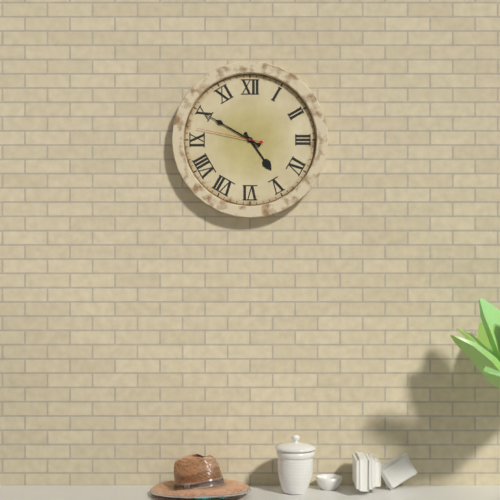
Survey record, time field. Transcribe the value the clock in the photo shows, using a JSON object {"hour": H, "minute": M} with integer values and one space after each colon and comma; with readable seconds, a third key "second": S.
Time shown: {"hour": 4, "minute": 50, "second": 47}
